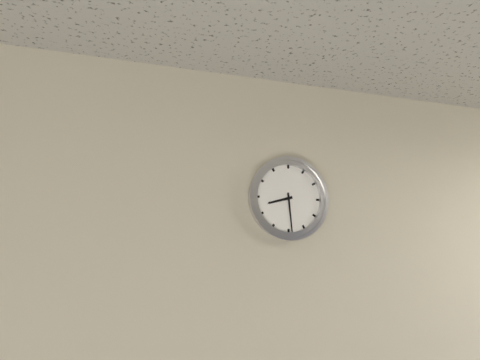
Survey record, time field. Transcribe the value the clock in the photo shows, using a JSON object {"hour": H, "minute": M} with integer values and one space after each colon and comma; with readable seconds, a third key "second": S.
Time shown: {"hour": 8, "minute": 29}
